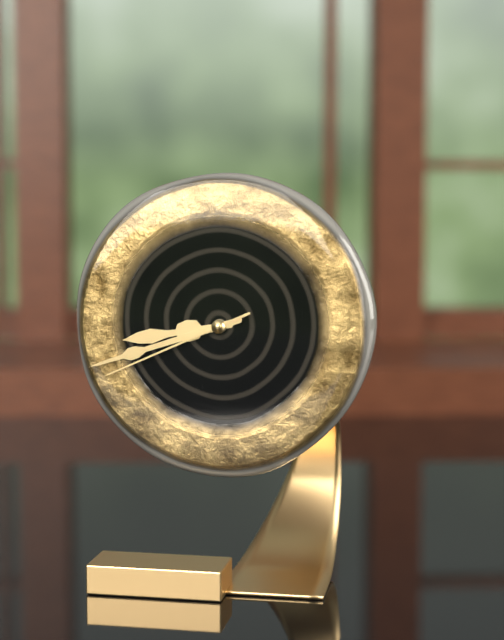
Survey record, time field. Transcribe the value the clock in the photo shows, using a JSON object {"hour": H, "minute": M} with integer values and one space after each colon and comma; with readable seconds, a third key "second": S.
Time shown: {"hour": 8, "minute": 42, "second": 41}
